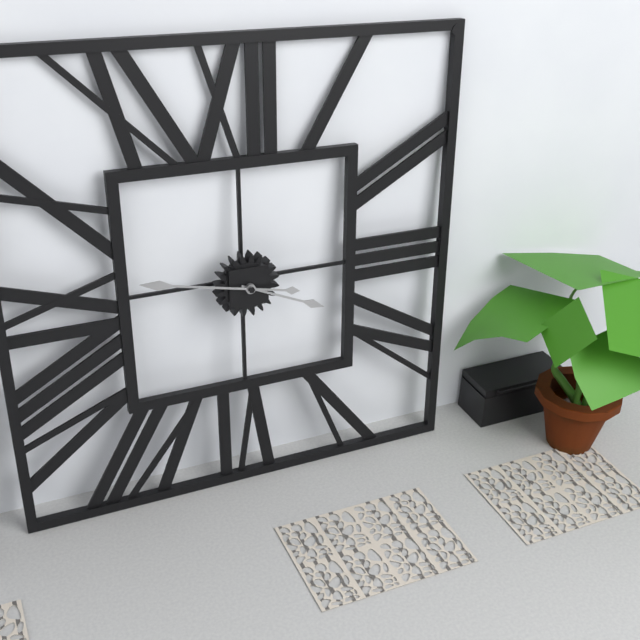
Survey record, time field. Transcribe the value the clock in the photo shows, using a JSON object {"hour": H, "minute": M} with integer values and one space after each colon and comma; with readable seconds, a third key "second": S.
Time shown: {"hour": 3, "minute": 47}
